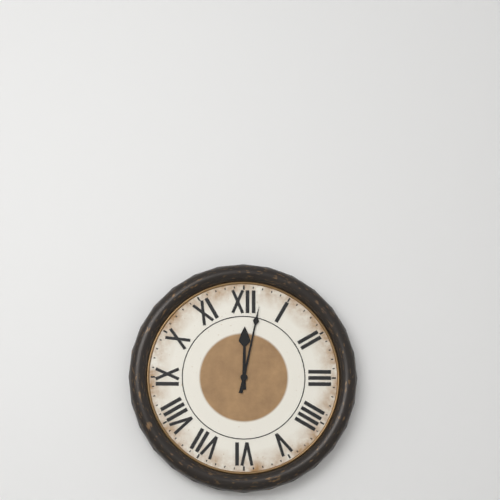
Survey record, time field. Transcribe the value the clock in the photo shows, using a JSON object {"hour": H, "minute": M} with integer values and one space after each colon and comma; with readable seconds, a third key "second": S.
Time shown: {"hour": 12, "minute": 2}
